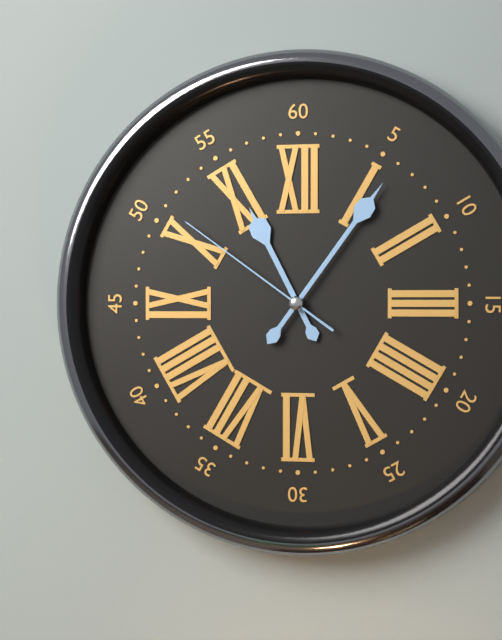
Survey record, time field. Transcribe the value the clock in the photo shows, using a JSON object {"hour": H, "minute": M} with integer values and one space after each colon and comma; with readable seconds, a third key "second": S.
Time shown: {"hour": 11, "minute": 6, "second": 51}
